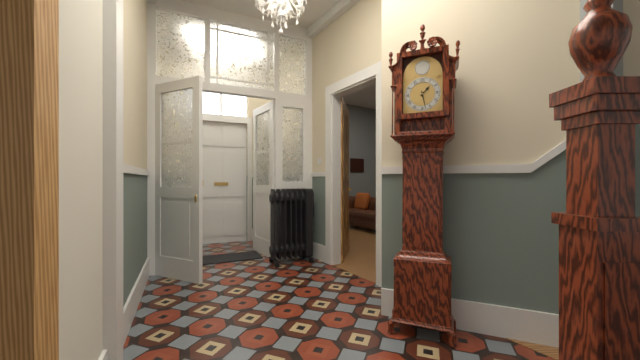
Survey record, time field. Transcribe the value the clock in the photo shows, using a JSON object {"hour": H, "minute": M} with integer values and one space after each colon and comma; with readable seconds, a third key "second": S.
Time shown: {"hour": 1, "minute": 28}
